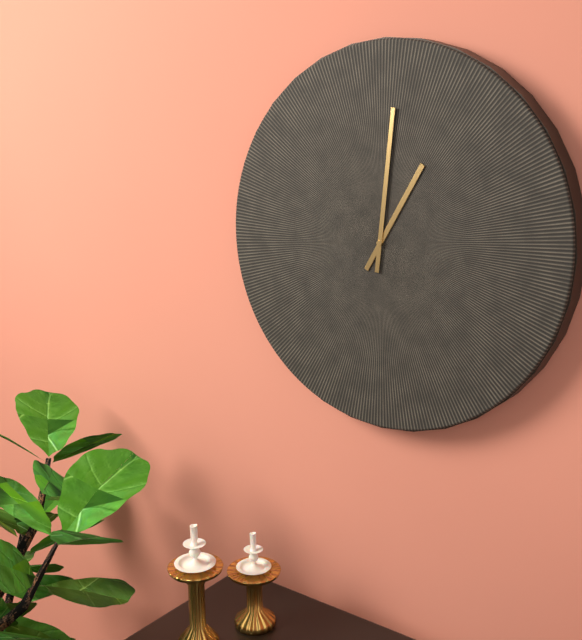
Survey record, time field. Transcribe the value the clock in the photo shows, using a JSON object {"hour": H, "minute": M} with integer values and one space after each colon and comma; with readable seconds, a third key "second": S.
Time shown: {"hour": 1, "minute": 1}
